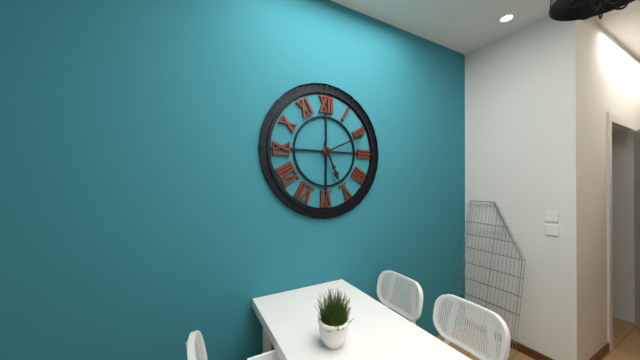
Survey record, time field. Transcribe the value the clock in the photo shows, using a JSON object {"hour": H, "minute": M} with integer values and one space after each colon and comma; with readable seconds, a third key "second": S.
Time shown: {"hour": 5, "minute": 11}
